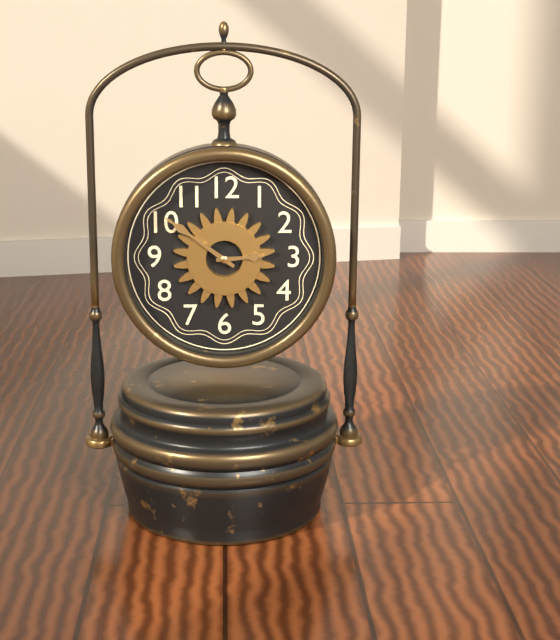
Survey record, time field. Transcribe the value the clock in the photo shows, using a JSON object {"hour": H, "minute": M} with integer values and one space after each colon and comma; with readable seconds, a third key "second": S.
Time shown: {"hour": 2, "minute": 51}
